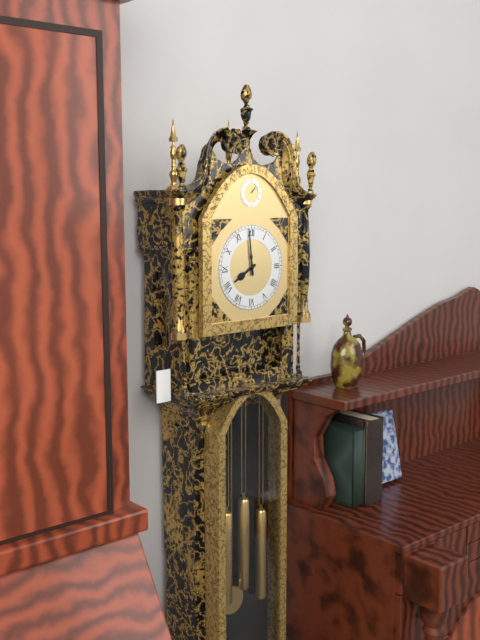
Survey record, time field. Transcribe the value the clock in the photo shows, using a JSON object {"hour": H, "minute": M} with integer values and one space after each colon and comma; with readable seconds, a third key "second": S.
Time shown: {"hour": 7, "minute": 59}
